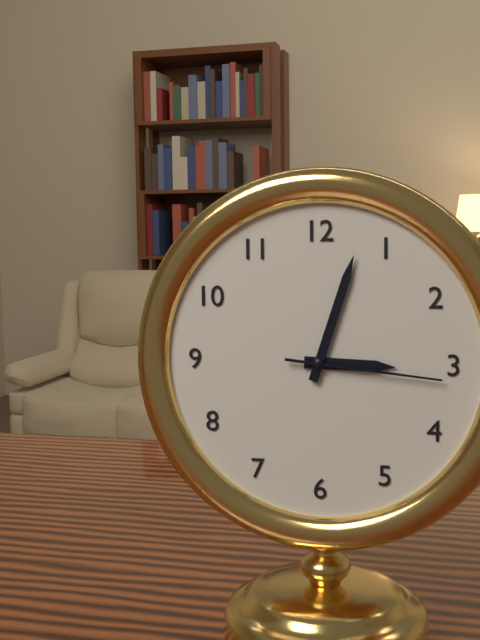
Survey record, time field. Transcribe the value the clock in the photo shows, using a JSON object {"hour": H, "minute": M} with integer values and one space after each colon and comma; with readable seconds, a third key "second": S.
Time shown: {"hour": 3, "minute": 3, "second": 16}
